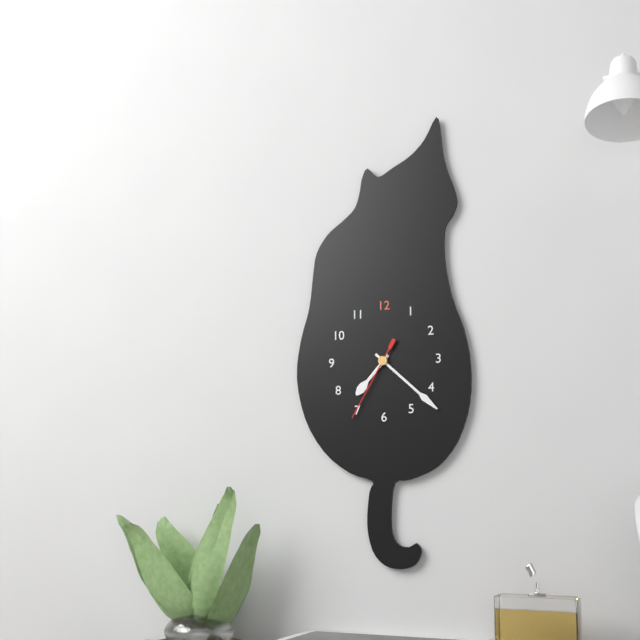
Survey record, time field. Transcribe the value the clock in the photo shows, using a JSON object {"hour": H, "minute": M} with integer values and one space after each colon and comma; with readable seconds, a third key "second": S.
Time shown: {"hour": 7, "minute": 22, "second": 35}
